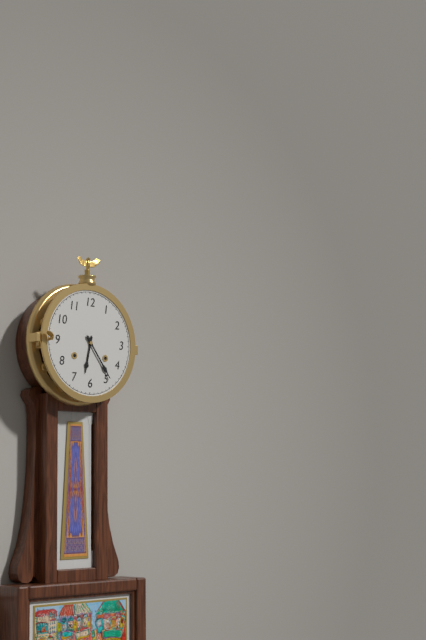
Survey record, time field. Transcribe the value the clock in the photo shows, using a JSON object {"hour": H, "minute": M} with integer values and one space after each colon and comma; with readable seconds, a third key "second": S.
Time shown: {"hour": 6, "minute": 24}
